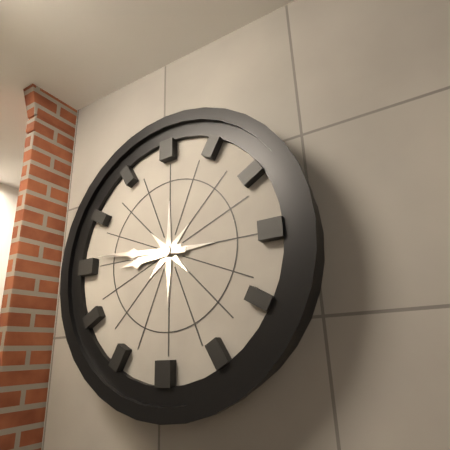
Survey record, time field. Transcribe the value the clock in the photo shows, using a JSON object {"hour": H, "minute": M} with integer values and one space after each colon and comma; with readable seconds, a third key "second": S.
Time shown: {"hour": 8, "minute": 46}
